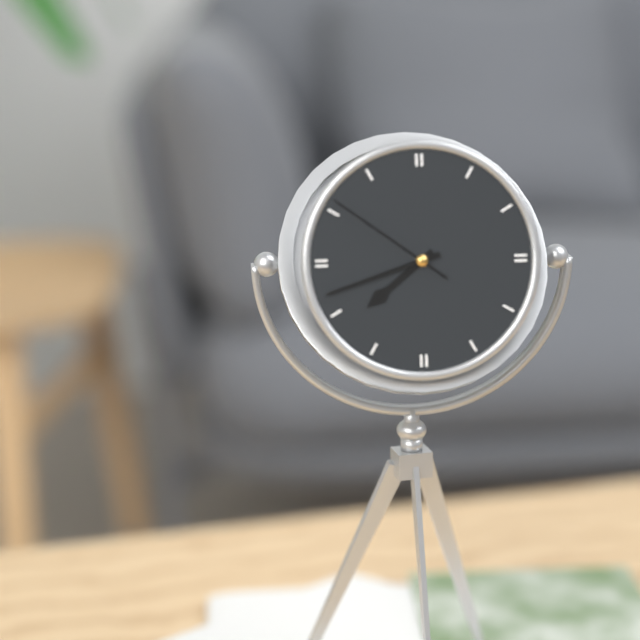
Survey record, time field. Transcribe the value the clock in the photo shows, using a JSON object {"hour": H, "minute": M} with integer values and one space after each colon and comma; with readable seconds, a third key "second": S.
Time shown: {"hour": 7, "minute": 42, "second": 51}
